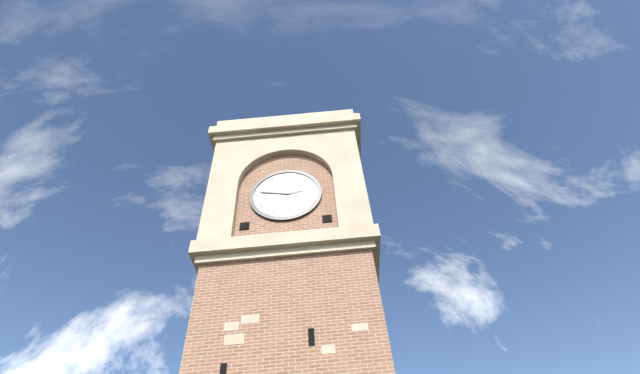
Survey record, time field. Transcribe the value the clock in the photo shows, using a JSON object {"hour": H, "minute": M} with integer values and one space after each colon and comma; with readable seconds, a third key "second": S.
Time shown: {"hour": 2, "minute": 47}
